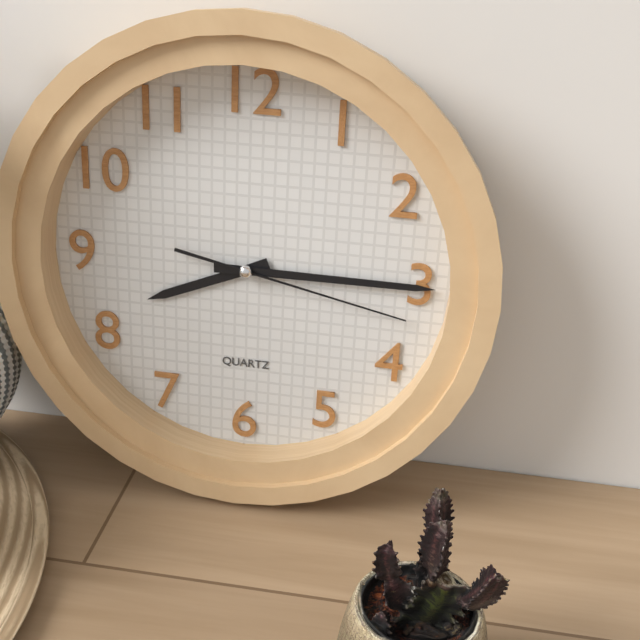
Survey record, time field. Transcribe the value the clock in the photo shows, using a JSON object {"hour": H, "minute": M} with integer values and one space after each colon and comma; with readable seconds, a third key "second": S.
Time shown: {"hour": 8, "minute": 15, "second": 17}
